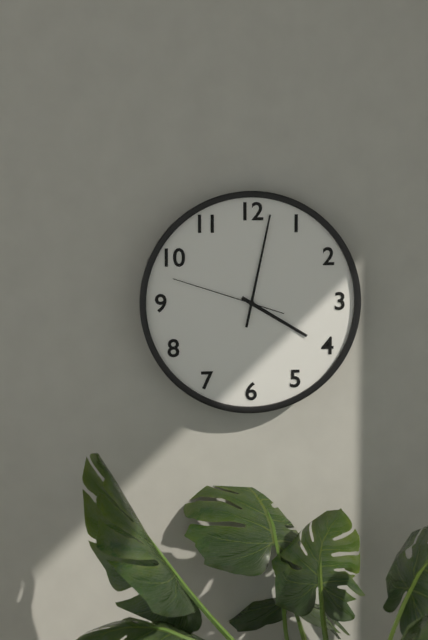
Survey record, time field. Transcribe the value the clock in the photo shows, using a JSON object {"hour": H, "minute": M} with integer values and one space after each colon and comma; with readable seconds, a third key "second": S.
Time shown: {"hour": 4, "minute": 2, "second": 48}
